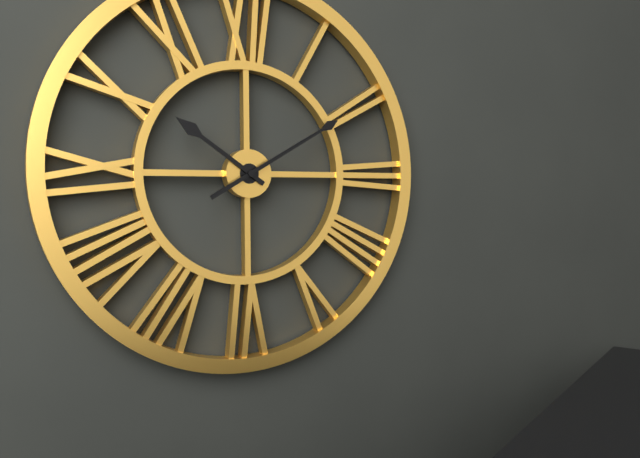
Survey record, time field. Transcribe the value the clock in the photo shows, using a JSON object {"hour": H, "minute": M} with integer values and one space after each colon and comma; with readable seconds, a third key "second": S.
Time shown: {"hour": 10, "minute": 10}
